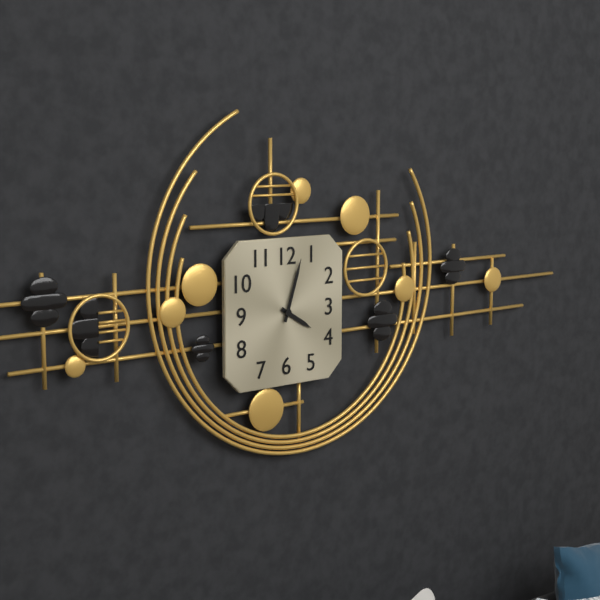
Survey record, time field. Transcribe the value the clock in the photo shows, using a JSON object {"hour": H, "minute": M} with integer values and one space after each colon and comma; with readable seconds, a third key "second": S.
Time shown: {"hour": 4, "minute": 3}
